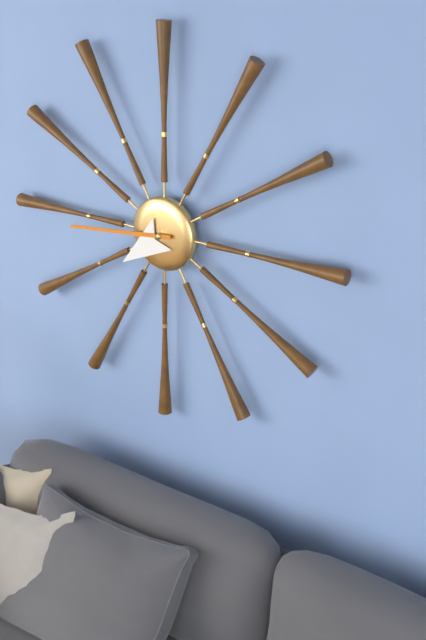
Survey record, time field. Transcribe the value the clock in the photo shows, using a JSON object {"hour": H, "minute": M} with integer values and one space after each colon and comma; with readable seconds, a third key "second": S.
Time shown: {"hour": 7, "minute": 44}
